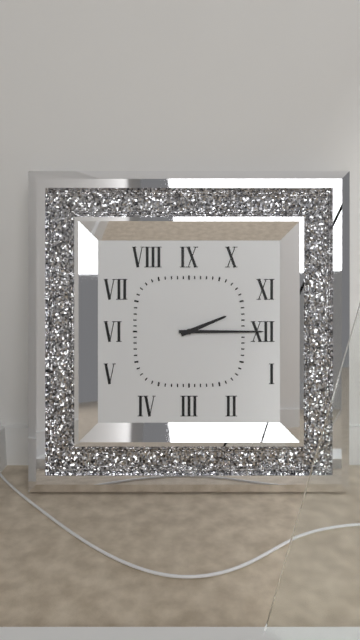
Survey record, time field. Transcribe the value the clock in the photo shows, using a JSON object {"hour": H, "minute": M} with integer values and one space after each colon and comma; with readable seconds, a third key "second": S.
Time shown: {"hour": 2, "minute": 15}
